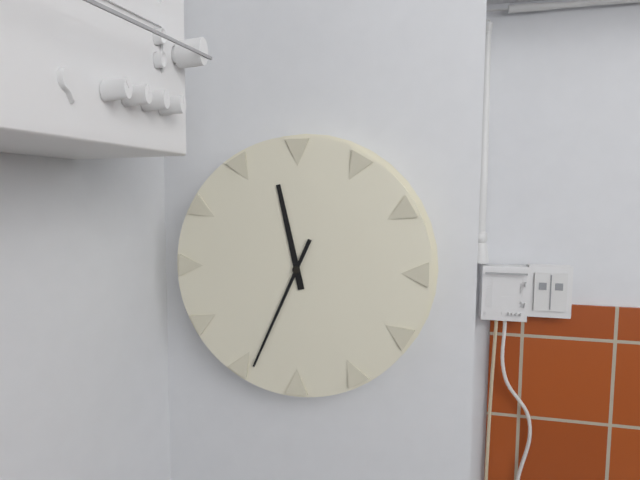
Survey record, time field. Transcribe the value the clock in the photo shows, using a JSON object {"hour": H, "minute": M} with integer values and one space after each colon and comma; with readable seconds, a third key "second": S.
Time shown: {"hour": 11, "minute": 34}
